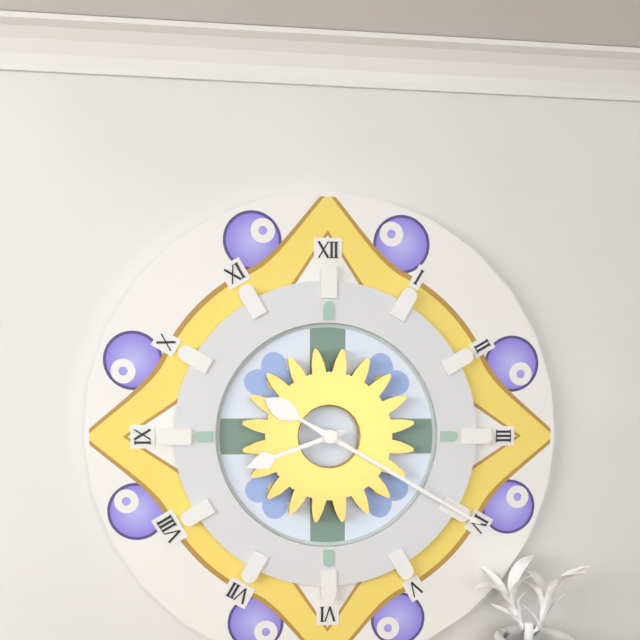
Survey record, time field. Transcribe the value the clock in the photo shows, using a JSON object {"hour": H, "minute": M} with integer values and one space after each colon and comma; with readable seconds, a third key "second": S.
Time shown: {"hour": 8, "minute": 20}
